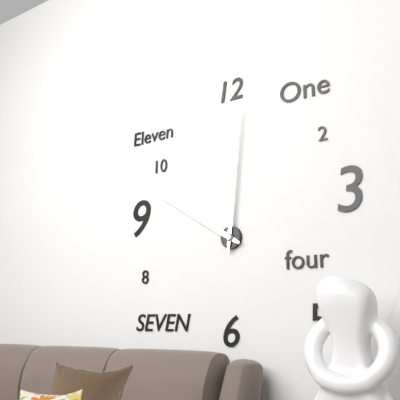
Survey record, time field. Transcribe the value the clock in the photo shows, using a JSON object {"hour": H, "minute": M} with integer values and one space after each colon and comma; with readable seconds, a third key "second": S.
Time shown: {"hour": 10, "minute": 1}
